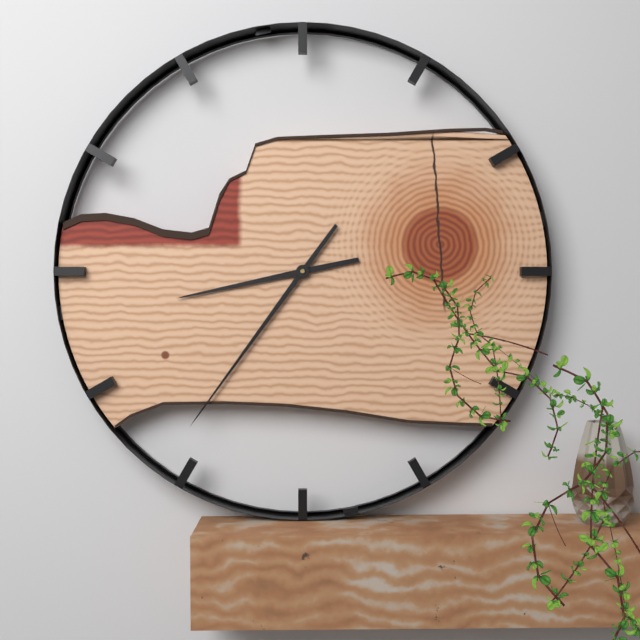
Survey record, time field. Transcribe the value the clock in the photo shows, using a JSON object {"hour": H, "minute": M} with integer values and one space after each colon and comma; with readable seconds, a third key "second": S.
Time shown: {"hour": 8, "minute": 36}
